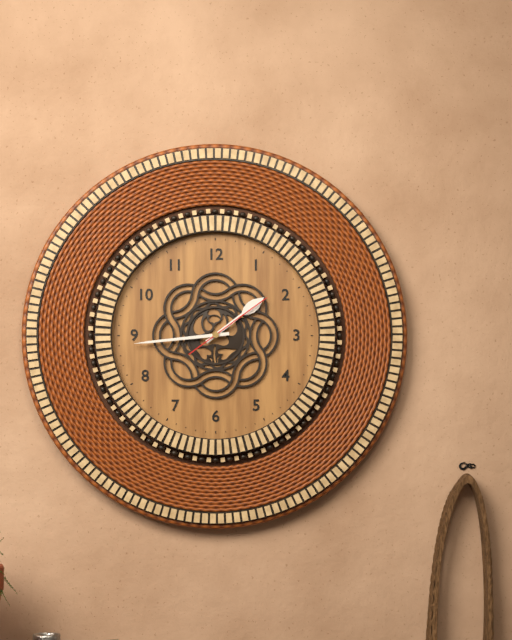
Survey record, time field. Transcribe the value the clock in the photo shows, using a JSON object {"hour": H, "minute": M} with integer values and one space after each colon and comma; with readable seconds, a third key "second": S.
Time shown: {"hour": 1, "minute": 44, "second": 9}
